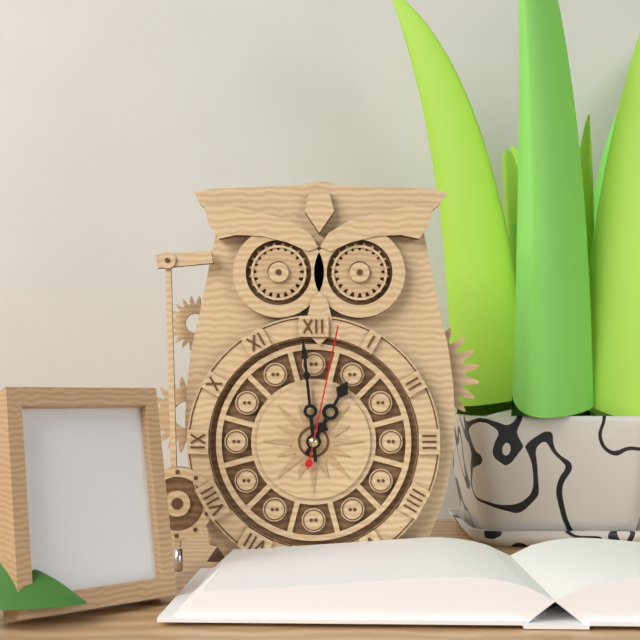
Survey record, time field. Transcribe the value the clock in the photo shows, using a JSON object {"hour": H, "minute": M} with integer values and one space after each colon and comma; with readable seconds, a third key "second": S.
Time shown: {"hour": 12, "minute": 59, "second": 2}
